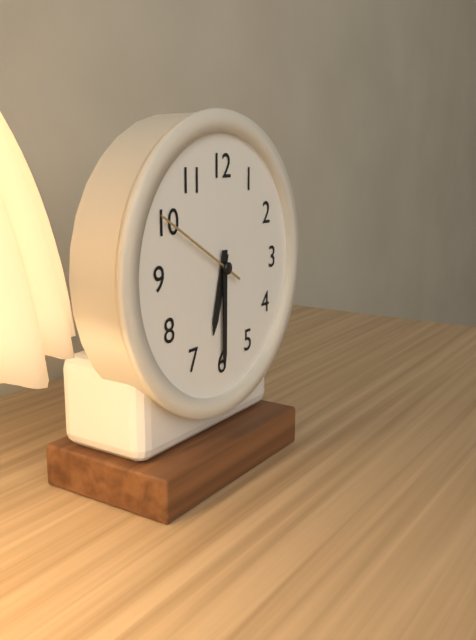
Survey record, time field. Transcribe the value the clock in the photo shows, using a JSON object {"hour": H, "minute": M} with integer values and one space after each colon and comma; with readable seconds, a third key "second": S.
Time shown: {"hour": 6, "minute": 30, "second": 50}
